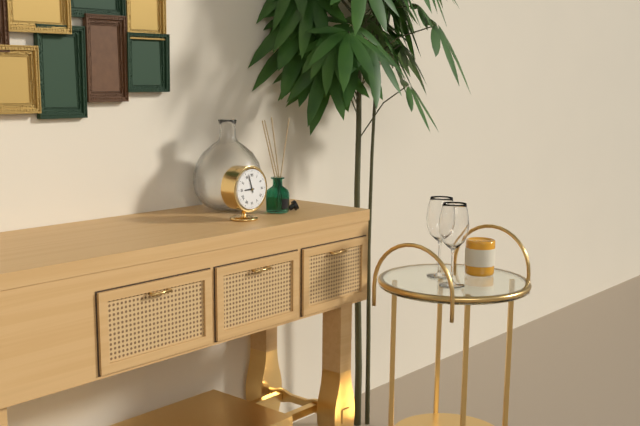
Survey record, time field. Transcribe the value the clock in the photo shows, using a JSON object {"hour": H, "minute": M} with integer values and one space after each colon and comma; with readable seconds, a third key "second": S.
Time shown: {"hour": 8, "minute": 57}
